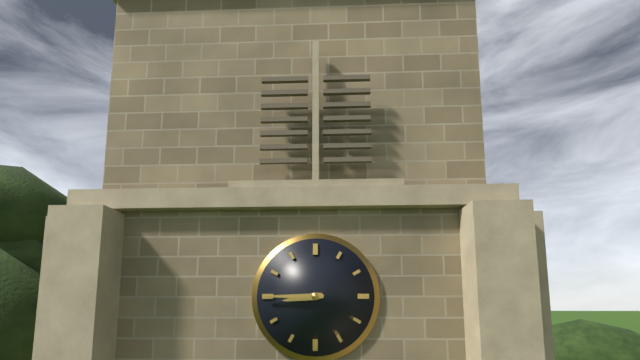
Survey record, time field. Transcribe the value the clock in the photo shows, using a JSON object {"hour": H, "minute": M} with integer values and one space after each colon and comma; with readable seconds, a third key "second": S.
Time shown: {"hour": 8, "minute": 45}
